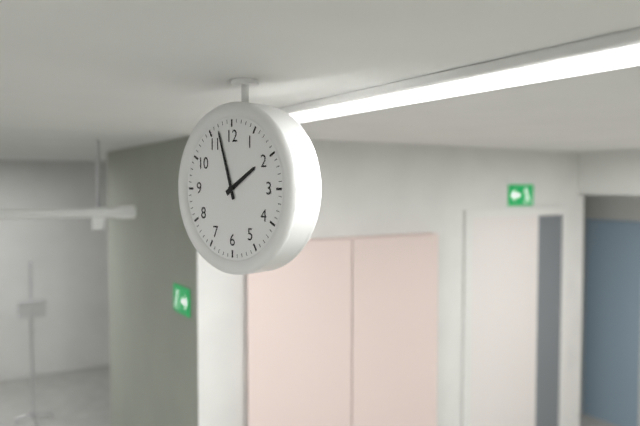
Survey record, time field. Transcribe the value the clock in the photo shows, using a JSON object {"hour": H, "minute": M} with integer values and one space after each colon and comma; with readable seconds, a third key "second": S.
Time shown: {"hour": 1, "minute": 57}
